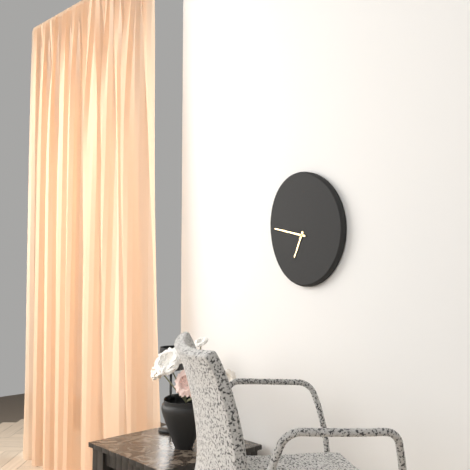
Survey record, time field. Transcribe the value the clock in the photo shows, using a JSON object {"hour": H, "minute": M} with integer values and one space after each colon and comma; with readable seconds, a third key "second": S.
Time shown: {"hour": 6, "minute": 47}
